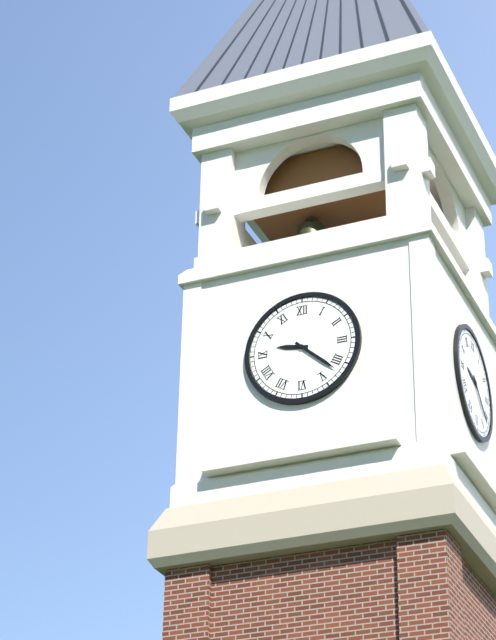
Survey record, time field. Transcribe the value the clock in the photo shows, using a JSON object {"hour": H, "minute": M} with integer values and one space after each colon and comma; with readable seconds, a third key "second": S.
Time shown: {"hour": 9, "minute": 22}
